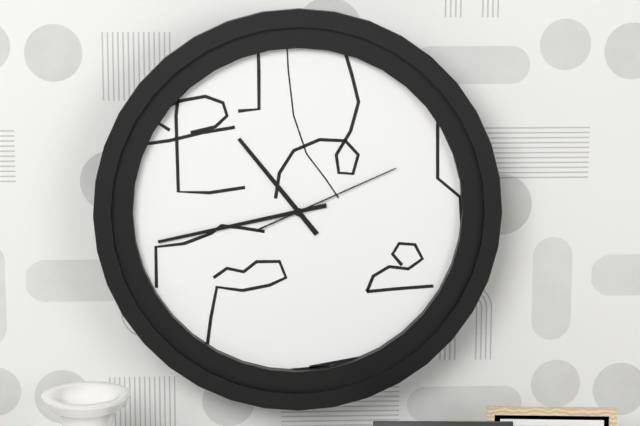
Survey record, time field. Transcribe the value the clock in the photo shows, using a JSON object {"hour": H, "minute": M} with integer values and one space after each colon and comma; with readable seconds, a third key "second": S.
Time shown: {"hour": 10, "minute": 43, "second": 11}
